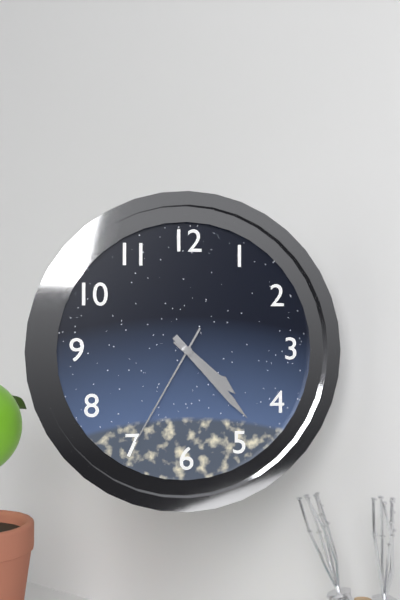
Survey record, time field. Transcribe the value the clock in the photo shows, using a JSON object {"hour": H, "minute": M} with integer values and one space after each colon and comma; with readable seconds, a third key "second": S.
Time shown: {"hour": 4, "minute": 23, "second": 35}
